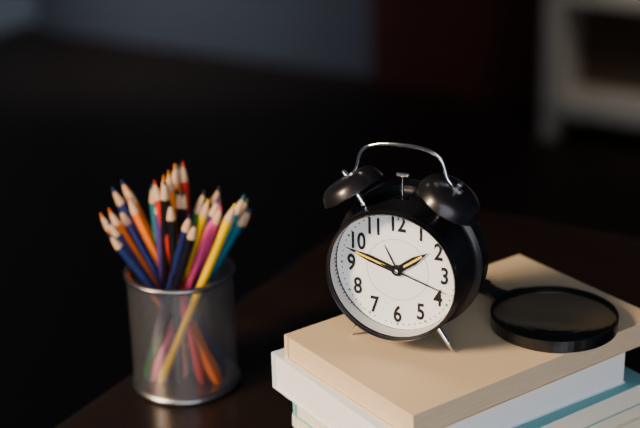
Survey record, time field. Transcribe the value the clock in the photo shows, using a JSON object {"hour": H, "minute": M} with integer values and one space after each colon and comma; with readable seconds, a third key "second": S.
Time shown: {"hour": 1, "minute": 48, "second": 18}
